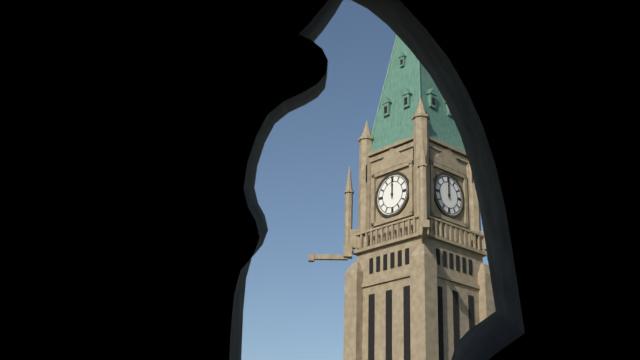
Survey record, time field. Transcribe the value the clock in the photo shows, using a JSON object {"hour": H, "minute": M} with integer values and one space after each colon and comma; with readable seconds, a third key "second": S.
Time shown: {"hour": 12, "minute": 0}
